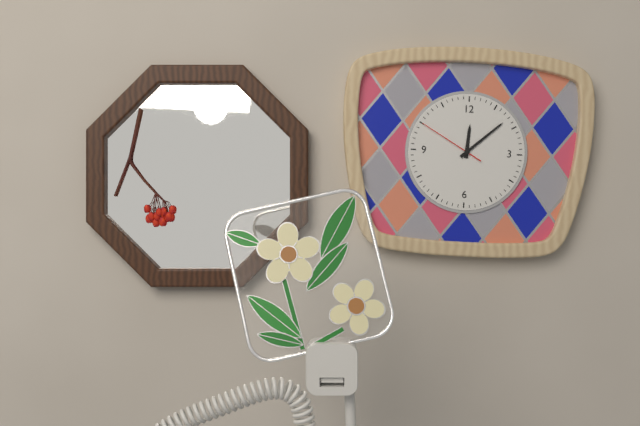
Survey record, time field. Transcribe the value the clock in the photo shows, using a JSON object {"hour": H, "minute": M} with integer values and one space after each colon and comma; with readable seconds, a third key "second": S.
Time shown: {"hour": 12, "minute": 8, "second": 50}
